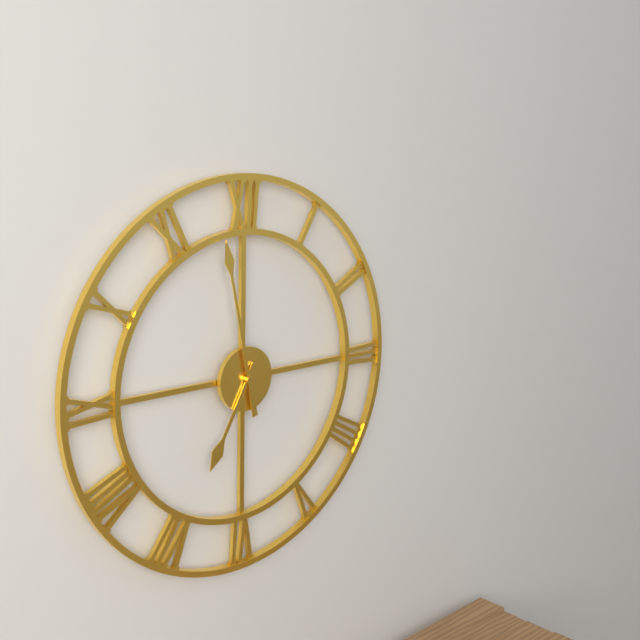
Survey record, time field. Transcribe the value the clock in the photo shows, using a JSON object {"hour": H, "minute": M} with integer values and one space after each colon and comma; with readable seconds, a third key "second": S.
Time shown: {"hour": 6, "minute": 58}
